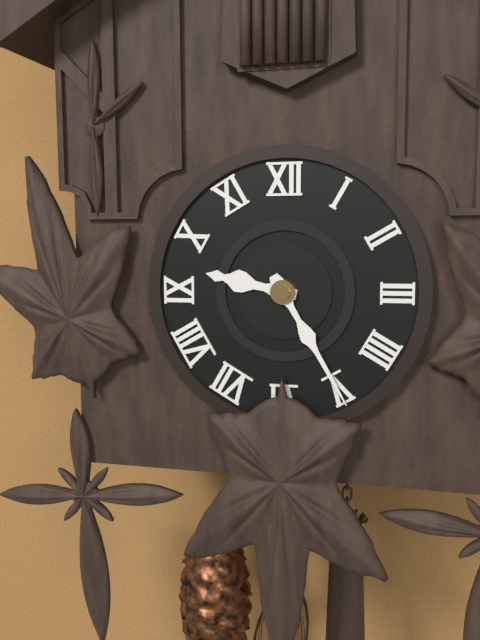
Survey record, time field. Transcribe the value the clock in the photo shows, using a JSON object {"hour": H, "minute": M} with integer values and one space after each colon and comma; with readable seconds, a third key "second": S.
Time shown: {"hour": 9, "minute": 25}
